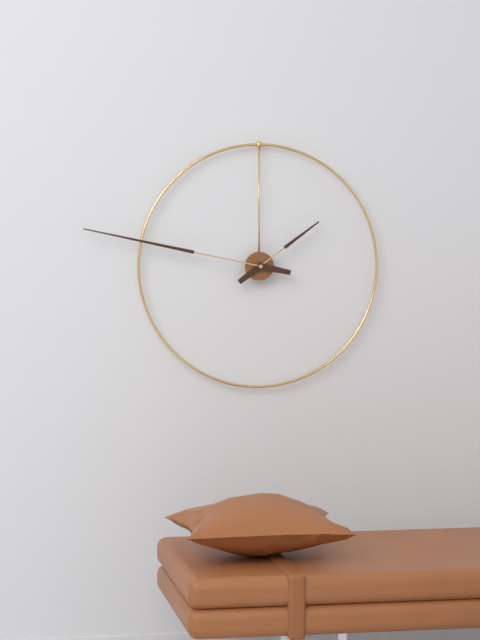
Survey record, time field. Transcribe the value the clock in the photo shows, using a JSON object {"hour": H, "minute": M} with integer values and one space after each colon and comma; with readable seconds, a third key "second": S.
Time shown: {"hour": 1, "minute": 47}
